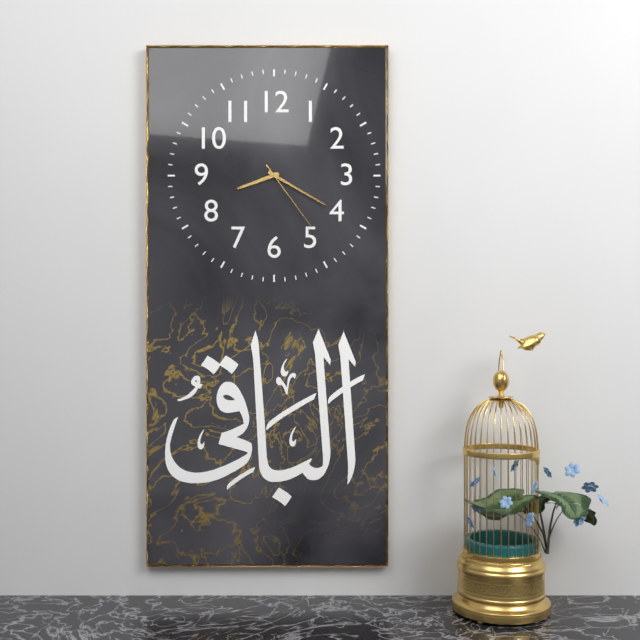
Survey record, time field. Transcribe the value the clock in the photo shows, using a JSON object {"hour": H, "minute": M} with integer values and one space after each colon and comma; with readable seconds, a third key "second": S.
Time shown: {"hour": 8, "minute": 20, "second": 24}
